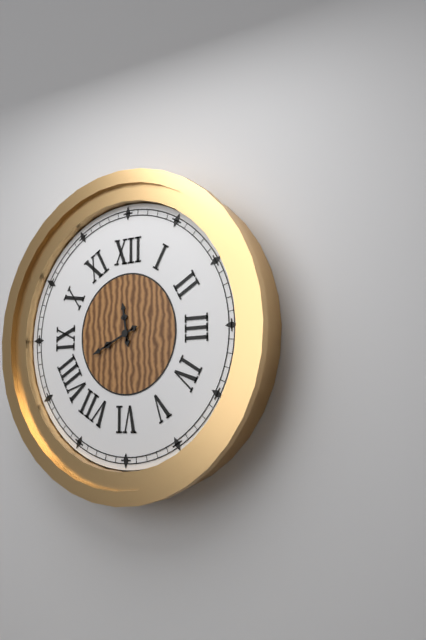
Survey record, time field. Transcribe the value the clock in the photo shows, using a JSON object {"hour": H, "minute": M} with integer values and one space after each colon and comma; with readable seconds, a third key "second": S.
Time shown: {"hour": 11, "minute": 41}
